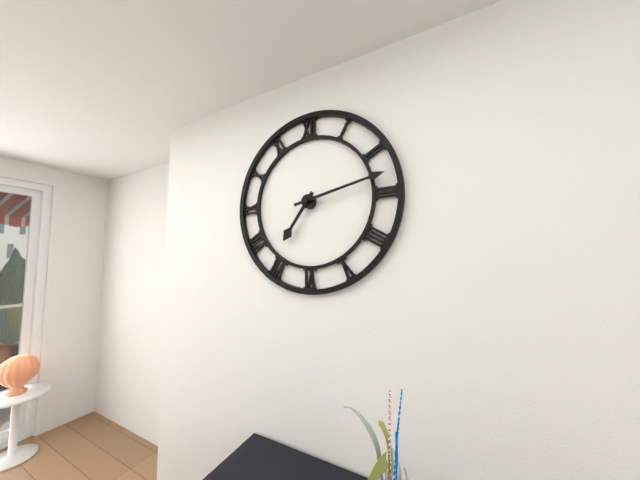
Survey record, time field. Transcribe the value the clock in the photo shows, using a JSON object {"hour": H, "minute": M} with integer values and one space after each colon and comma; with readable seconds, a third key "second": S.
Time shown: {"hour": 7, "minute": 13}
